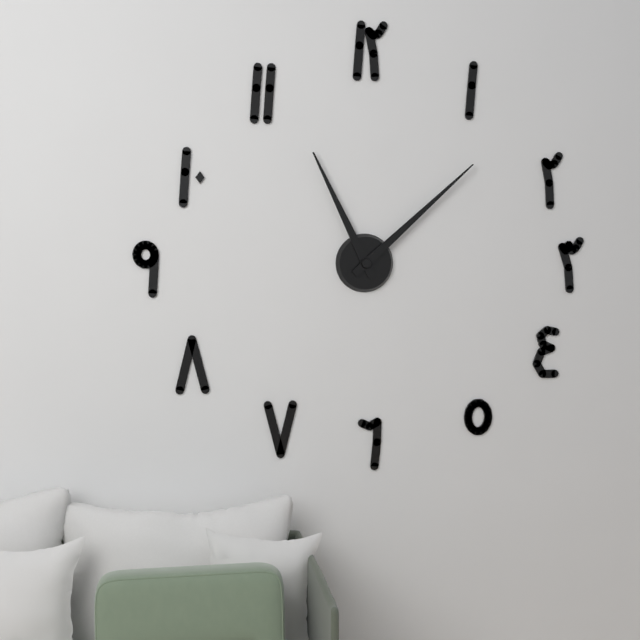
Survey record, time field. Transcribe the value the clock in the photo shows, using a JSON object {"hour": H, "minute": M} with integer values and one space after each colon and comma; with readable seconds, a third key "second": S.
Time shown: {"hour": 11, "minute": 8}
